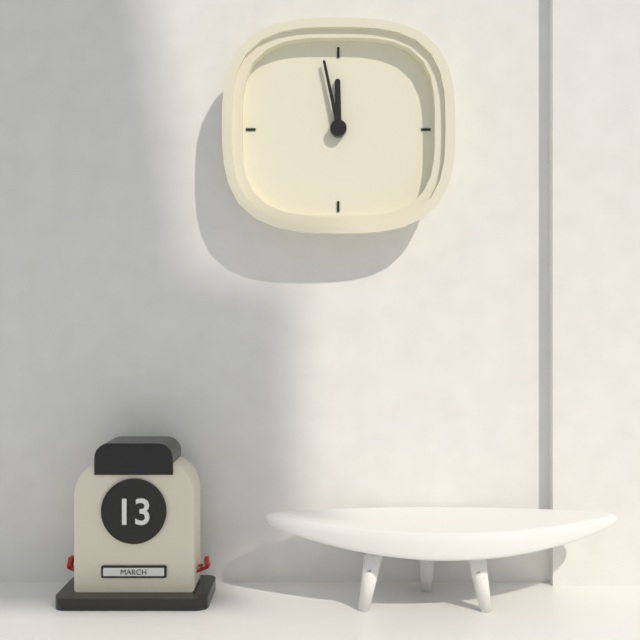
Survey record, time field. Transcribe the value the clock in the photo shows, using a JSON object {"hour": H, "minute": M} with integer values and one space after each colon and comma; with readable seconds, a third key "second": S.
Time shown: {"hour": 11, "minute": 58}
